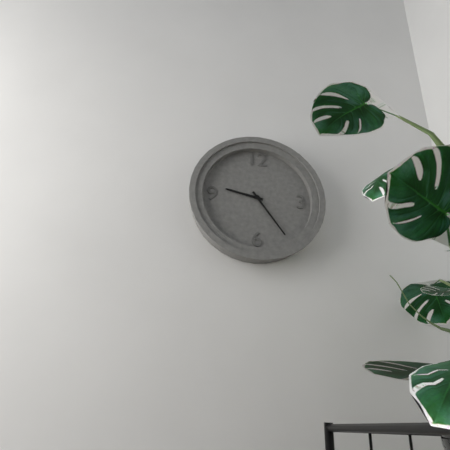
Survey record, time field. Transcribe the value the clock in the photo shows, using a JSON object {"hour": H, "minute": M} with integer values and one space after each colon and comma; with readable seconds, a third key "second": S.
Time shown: {"hour": 9, "minute": 24}
